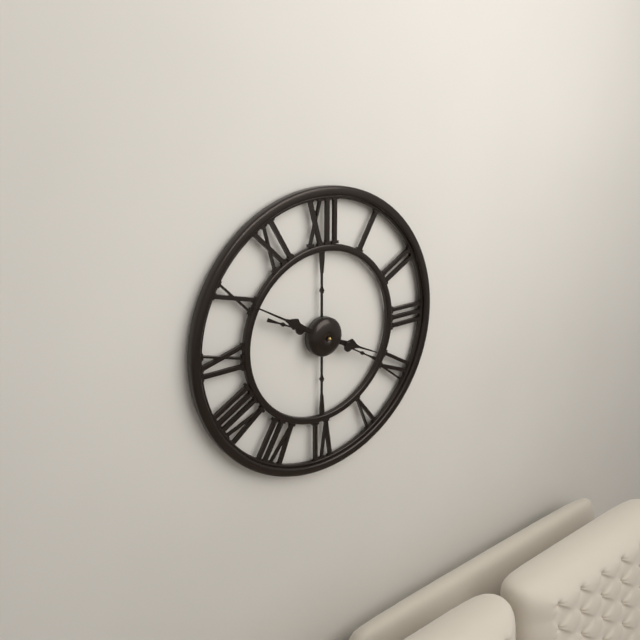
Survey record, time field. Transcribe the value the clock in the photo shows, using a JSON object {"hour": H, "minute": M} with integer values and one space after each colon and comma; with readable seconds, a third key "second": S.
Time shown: {"hour": 3, "minute": 50}
